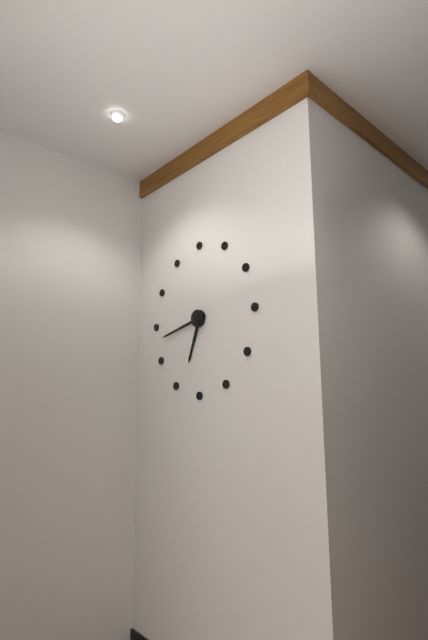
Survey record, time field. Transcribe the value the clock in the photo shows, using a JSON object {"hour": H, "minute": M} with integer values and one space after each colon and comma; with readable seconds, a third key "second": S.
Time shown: {"hour": 6, "minute": 43}
